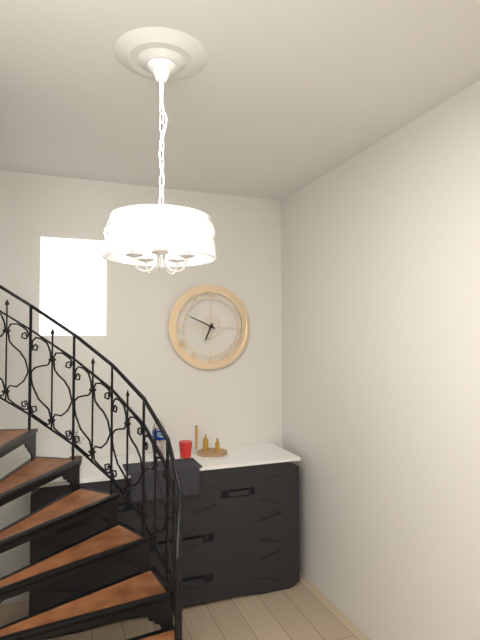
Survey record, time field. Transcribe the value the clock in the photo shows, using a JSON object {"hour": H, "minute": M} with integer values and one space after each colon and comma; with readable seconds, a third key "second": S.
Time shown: {"hour": 6, "minute": 49}
